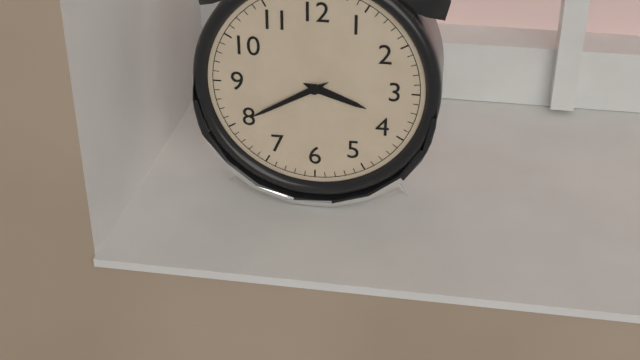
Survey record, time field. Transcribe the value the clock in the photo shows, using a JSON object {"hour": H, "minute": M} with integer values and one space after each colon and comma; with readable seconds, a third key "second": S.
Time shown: {"hour": 3, "minute": 40}
